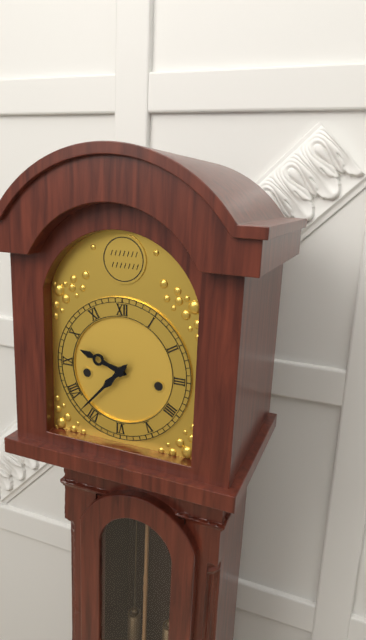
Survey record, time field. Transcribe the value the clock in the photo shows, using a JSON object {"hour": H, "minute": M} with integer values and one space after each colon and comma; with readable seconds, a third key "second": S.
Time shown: {"hour": 9, "minute": 37}
